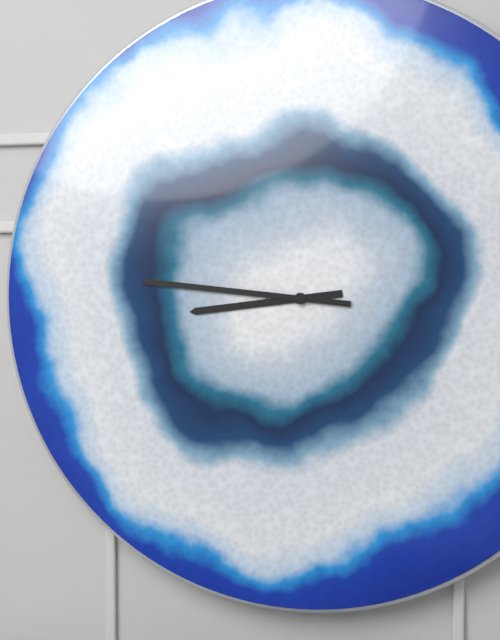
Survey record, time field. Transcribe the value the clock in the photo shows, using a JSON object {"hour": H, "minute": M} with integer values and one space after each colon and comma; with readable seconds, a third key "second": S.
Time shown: {"hour": 8, "minute": 46}
